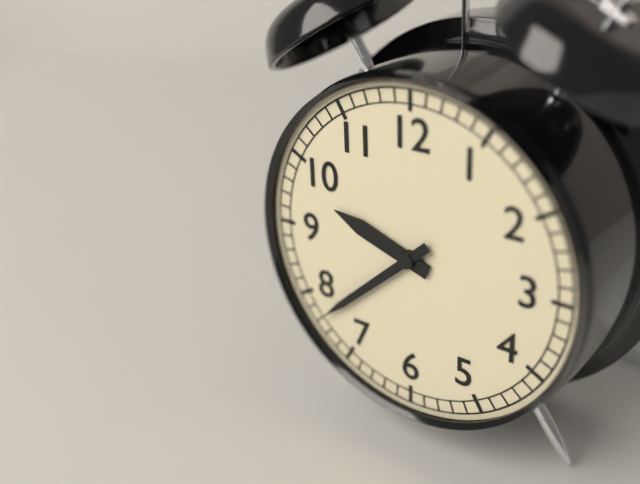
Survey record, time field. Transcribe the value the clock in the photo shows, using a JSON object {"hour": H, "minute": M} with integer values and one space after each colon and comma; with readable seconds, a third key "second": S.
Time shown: {"hour": 9, "minute": 38}
